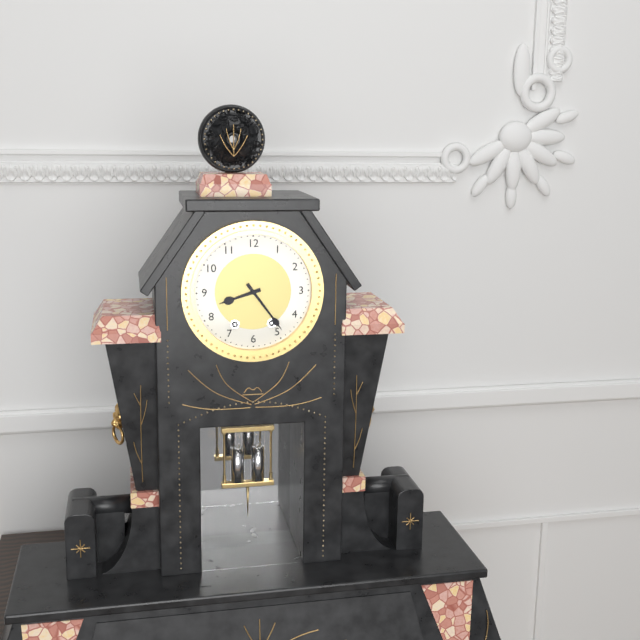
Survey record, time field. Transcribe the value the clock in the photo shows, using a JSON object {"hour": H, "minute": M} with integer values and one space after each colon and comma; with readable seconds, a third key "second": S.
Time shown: {"hour": 8, "minute": 24}
